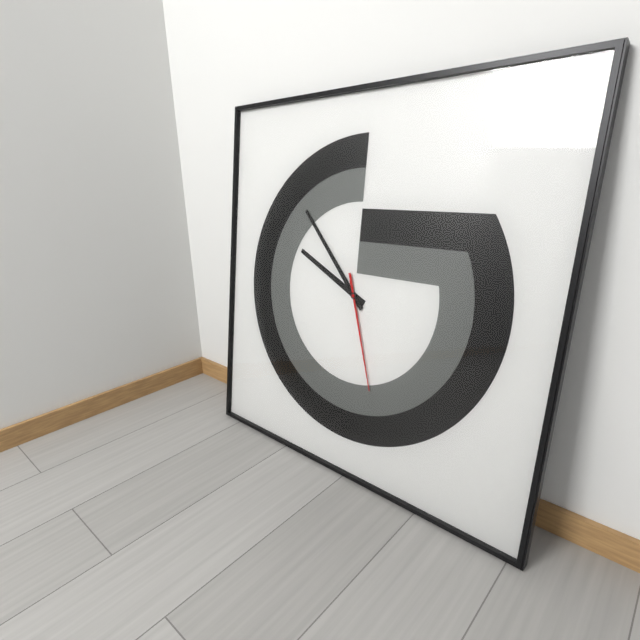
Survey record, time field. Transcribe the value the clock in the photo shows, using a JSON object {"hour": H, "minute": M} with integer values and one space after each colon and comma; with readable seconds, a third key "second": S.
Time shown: {"hour": 9, "minute": 53, "second": 27}
